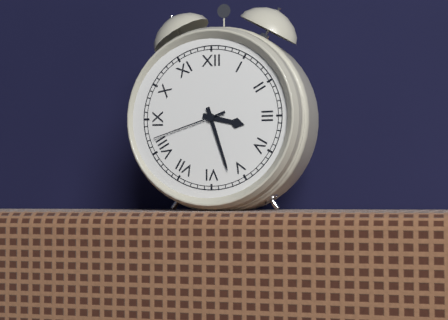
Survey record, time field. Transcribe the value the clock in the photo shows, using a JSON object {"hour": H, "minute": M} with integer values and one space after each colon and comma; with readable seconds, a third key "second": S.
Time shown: {"hour": 3, "minute": 27, "second": 42}
